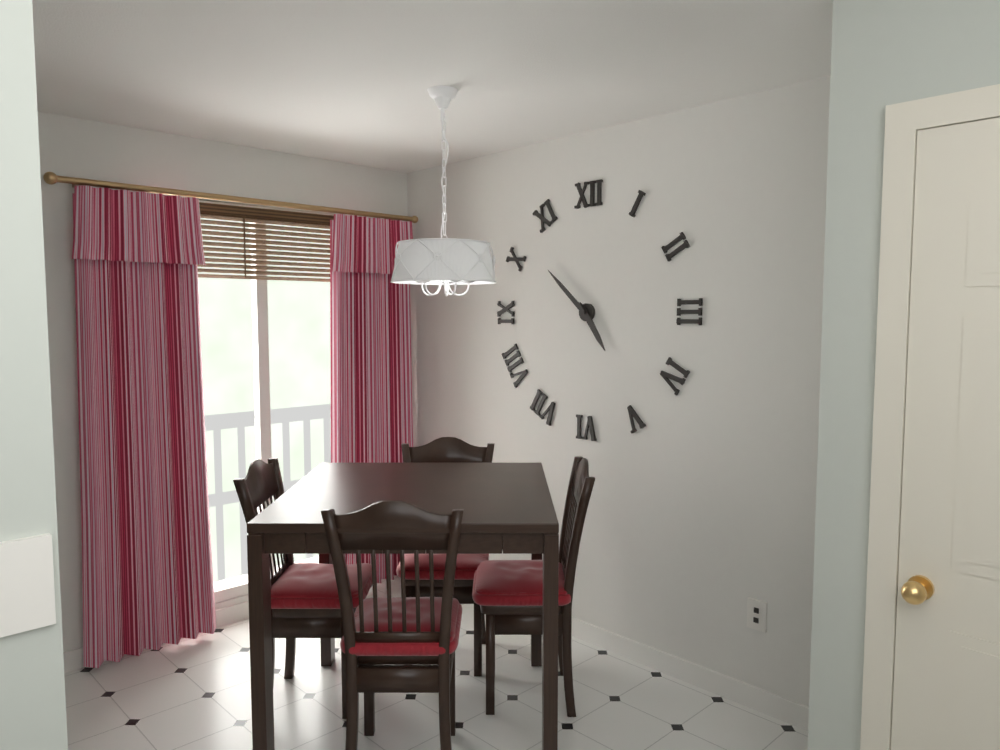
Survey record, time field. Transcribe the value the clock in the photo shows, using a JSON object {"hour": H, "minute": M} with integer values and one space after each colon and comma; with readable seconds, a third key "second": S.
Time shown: {"hour": 4, "minute": 52}
